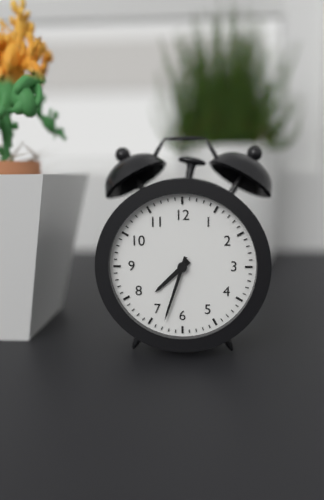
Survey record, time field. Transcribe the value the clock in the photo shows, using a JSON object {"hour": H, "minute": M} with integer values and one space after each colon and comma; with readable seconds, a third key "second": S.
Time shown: {"hour": 7, "minute": 33}
